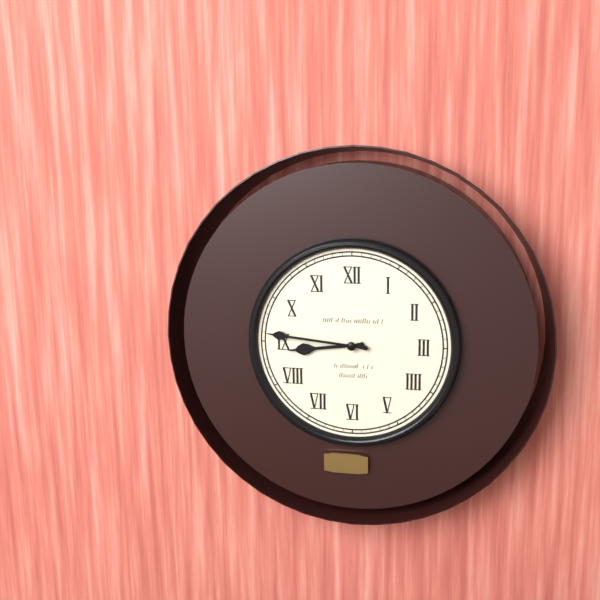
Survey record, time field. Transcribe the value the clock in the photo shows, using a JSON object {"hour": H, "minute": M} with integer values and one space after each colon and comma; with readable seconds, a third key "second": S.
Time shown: {"hour": 8, "minute": 46}
